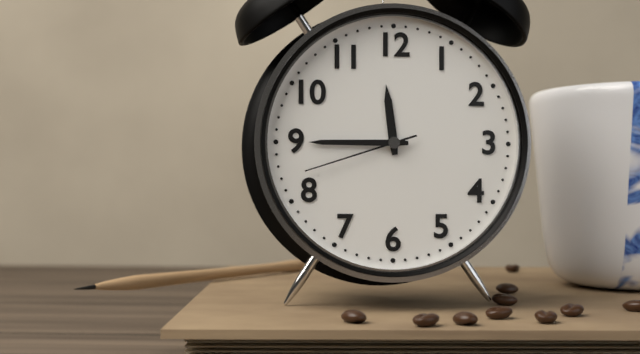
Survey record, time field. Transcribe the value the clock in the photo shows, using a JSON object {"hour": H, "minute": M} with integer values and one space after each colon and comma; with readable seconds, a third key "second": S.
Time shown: {"hour": 11, "minute": 45, "second": 42}
